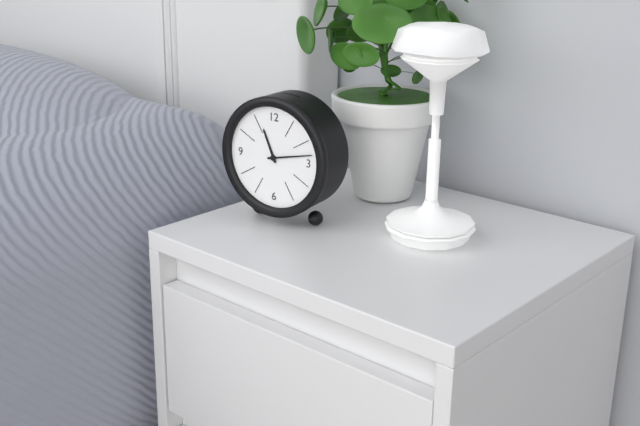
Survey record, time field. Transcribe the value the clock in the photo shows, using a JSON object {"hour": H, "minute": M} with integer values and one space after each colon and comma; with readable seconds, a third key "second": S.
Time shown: {"hour": 11, "minute": 13}
